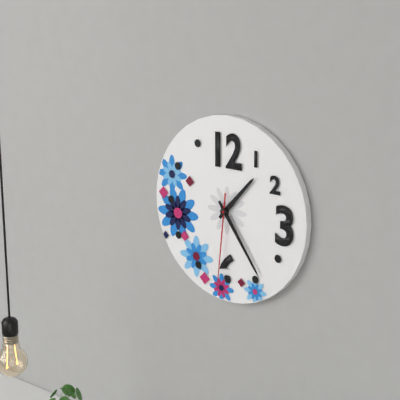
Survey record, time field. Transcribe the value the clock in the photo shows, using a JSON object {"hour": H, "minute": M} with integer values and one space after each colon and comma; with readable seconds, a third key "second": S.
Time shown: {"hour": 1, "minute": 24, "second": 31}
